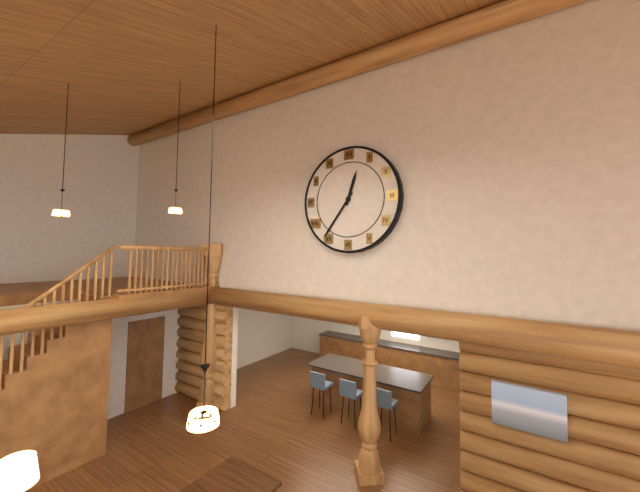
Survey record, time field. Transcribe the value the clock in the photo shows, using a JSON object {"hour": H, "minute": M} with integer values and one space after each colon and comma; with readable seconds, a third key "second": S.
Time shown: {"hour": 12, "minute": 36}
